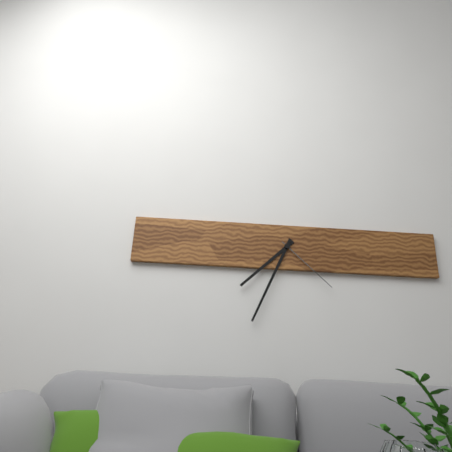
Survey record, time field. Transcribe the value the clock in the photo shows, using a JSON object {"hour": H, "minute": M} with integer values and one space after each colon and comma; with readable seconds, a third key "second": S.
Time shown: {"hour": 7, "minute": 34, "second": 22}
